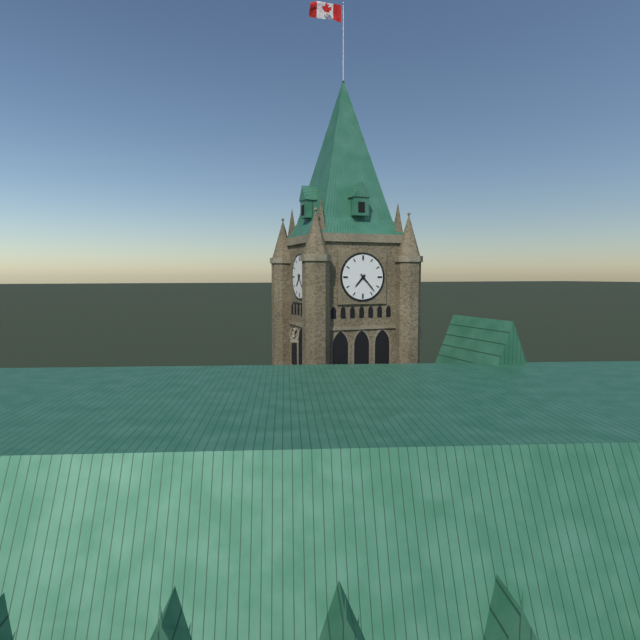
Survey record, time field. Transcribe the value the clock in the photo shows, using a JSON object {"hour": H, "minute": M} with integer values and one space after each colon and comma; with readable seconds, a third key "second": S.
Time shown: {"hour": 7, "minute": 23}
